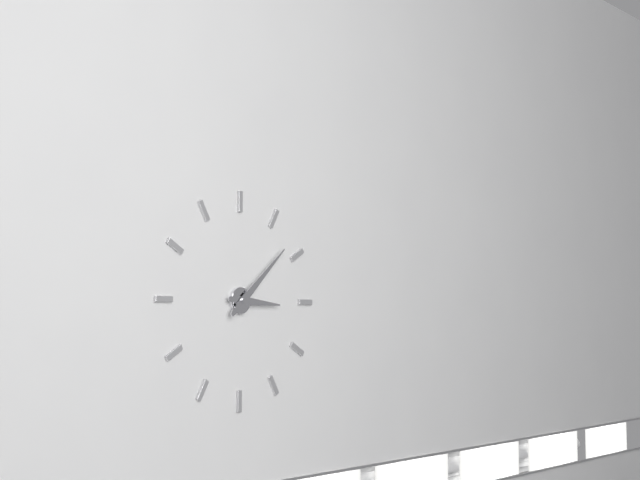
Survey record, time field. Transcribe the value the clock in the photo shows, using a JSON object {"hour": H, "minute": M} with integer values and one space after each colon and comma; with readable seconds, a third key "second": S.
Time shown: {"hour": 3, "minute": 8}
